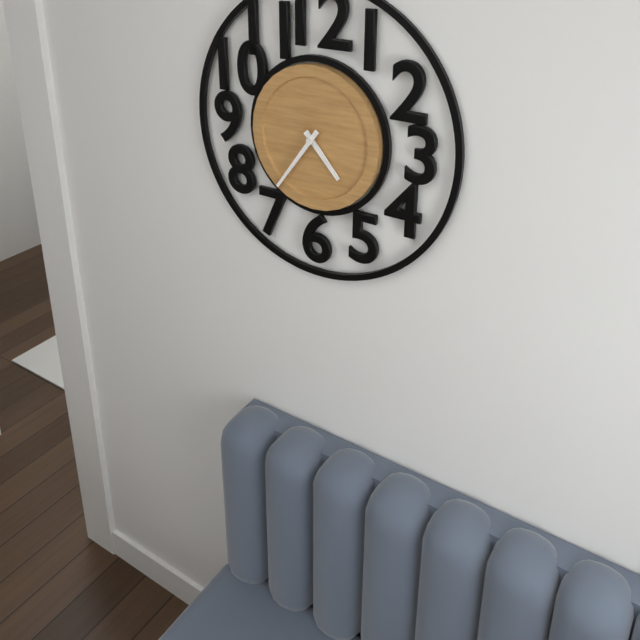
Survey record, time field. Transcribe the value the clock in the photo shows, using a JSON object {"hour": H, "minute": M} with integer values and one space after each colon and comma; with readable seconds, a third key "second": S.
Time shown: {"hour": 4, "minute": 36}
